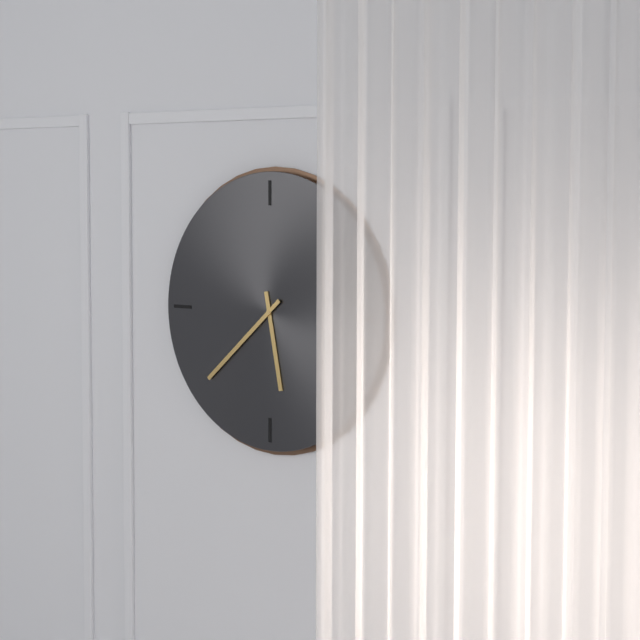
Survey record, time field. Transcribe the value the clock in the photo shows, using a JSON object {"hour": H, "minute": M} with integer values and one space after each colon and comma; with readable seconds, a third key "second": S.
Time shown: {"hour": 5, "minute": 38}
